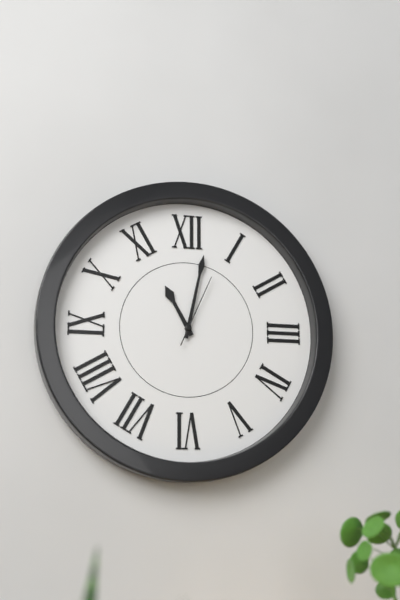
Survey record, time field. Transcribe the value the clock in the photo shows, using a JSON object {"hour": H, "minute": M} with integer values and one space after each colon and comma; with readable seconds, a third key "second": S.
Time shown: {"hour": 11, "minute": 2, "second": 4}
